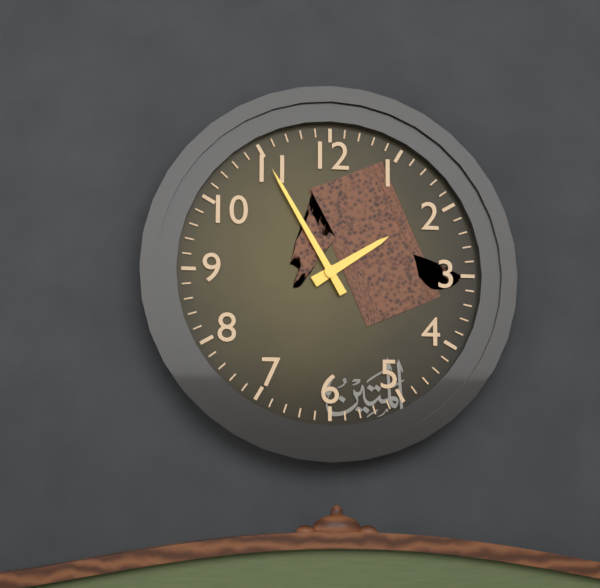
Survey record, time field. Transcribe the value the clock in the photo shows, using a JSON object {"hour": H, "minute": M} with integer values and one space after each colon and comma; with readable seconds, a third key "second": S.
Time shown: {"hour": 1, "minute": 55}
